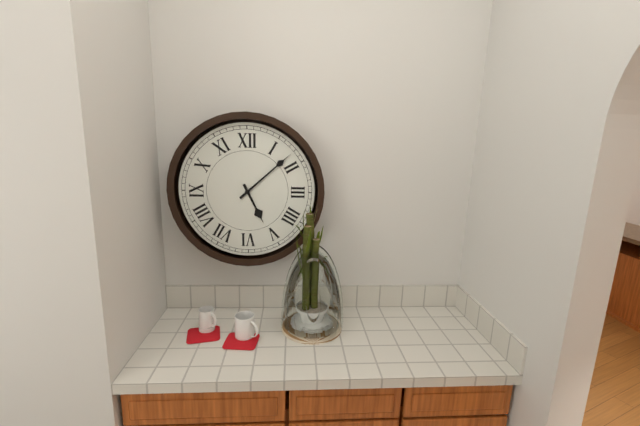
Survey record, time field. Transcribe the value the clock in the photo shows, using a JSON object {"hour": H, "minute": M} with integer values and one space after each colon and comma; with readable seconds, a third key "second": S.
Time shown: {"hour": 5, "minute": 8}
